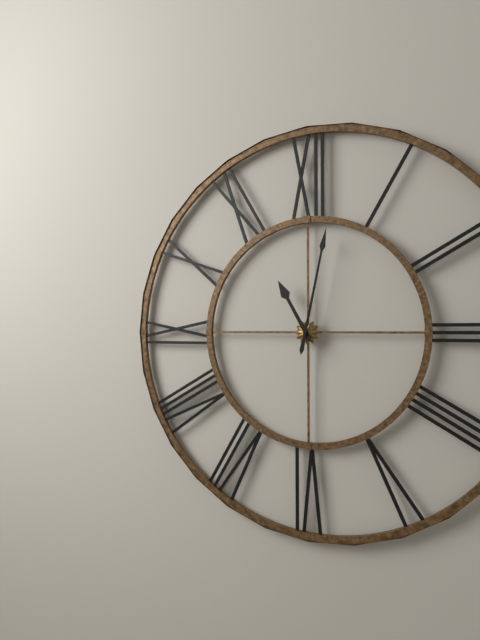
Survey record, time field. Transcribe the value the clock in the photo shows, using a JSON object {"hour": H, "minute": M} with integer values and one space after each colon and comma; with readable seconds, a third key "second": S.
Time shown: {"hour": 11, "minute": 2}
